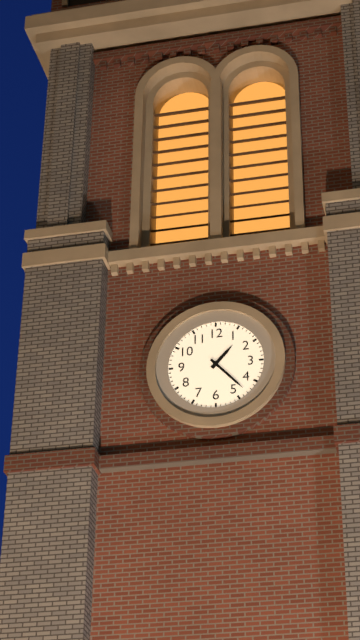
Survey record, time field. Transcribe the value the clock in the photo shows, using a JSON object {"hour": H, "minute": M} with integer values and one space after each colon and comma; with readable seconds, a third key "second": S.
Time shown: {"hour": 1, "minute": 23}
